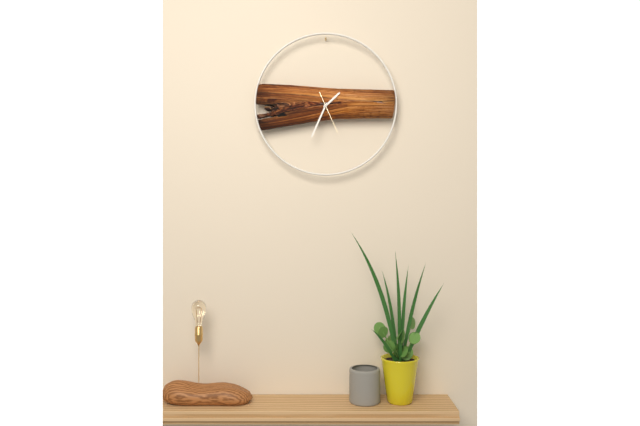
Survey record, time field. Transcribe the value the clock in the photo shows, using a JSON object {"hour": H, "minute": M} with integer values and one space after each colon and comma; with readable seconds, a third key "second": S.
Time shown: {"hour": 1, "minute": 34}
